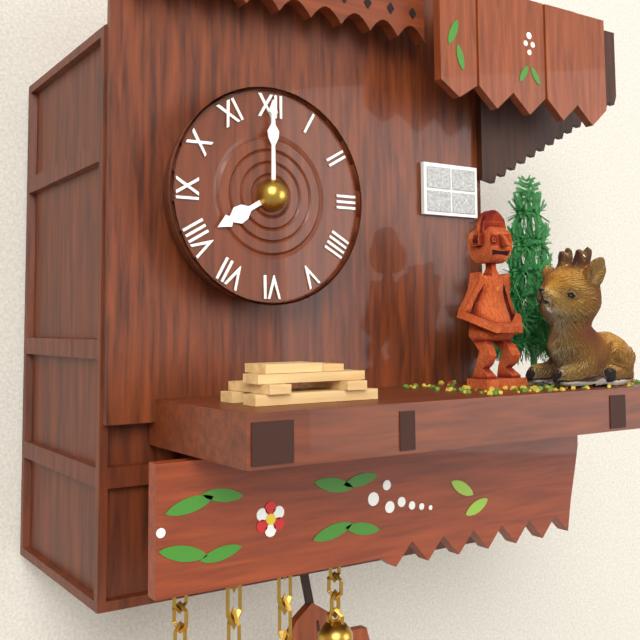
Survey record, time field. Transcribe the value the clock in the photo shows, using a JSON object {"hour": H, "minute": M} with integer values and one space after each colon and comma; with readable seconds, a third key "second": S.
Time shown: {"hour": 8, "minute": 0}
